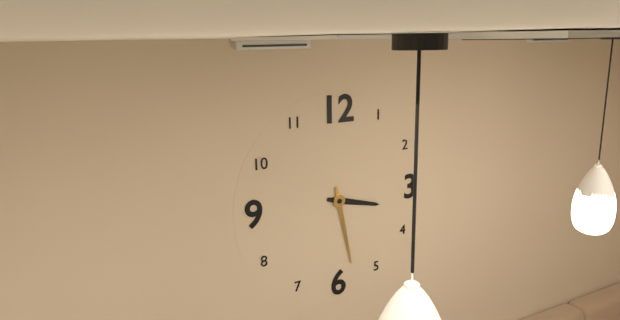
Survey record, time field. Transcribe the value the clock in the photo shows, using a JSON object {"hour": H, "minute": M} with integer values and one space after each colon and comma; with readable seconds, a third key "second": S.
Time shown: {"hour": 3, "minute": 28}
